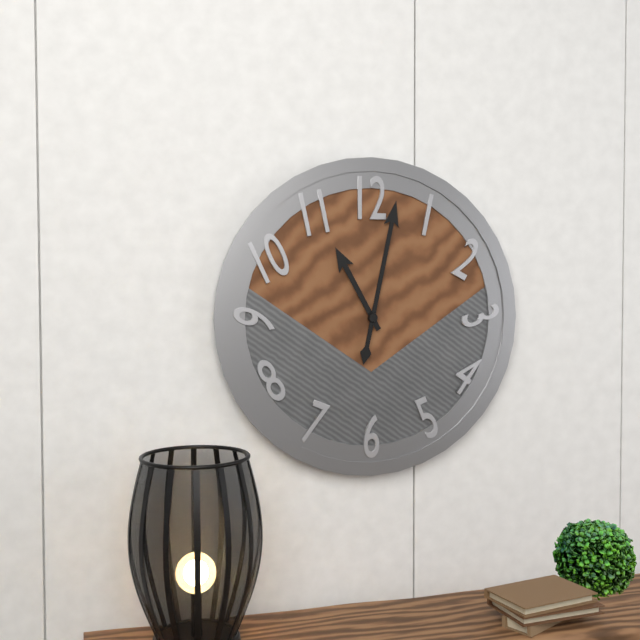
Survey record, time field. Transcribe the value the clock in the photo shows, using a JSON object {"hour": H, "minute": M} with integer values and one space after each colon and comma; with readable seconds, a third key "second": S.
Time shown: {"hour": 11, "minute": 2}
